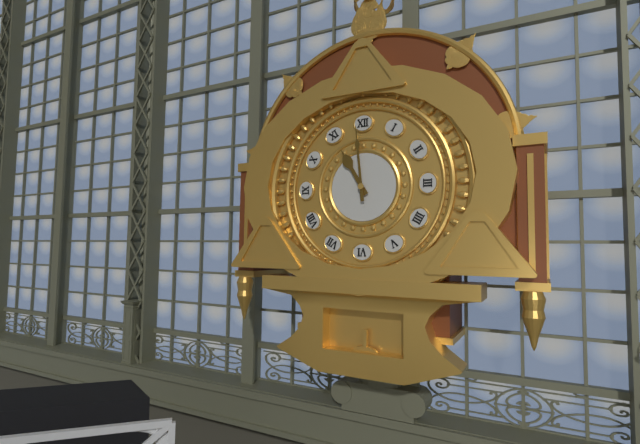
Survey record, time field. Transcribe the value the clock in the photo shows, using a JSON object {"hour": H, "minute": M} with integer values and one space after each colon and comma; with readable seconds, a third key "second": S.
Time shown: {"hour": 10, "minute": 59}
